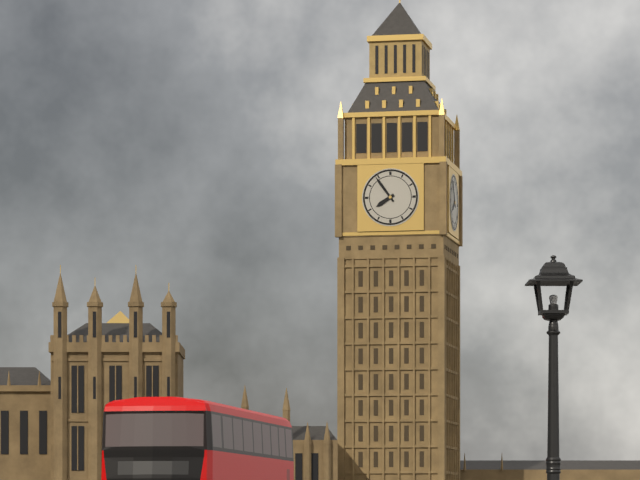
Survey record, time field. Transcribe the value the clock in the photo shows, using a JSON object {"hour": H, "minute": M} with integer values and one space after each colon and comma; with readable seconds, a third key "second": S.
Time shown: {"hour": 7, "minute": 54}
